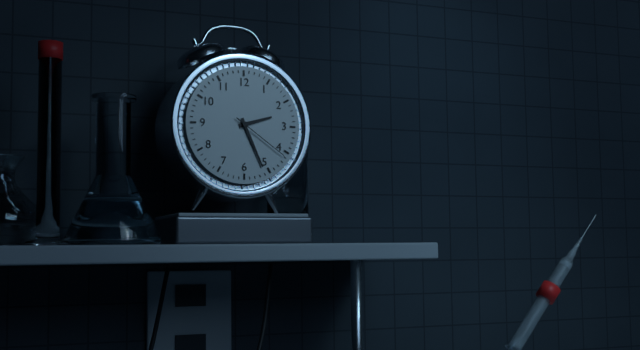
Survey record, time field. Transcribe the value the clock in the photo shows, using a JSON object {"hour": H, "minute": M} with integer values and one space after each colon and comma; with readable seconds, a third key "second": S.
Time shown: {"hour": 2, "minute": 26, "second": 21}
